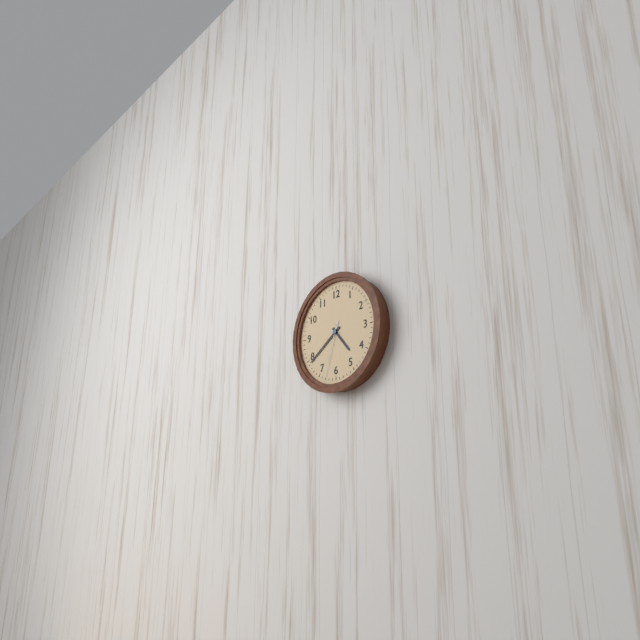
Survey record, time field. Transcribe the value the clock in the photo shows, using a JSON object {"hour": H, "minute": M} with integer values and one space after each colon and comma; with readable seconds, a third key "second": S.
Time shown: {"hour": 4, "minute": 39, "second": 33}
